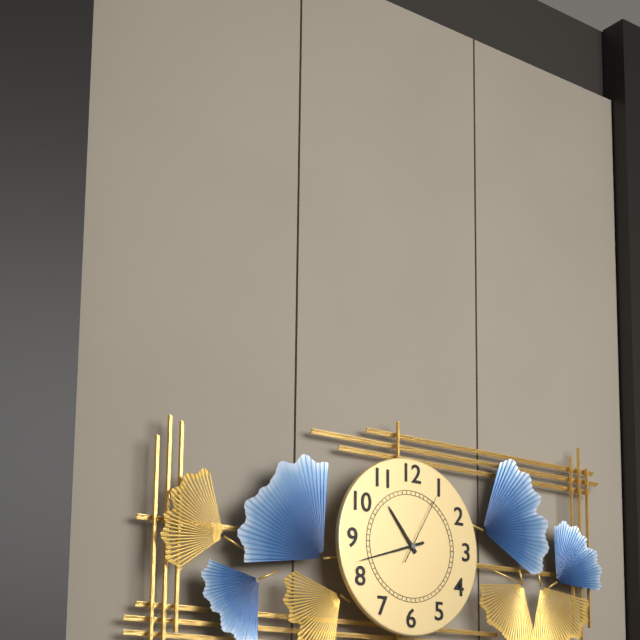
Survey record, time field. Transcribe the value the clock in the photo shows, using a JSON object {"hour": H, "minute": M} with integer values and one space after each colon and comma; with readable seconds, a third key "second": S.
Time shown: {"hour": 10, "minute": 42, "second": 5}
